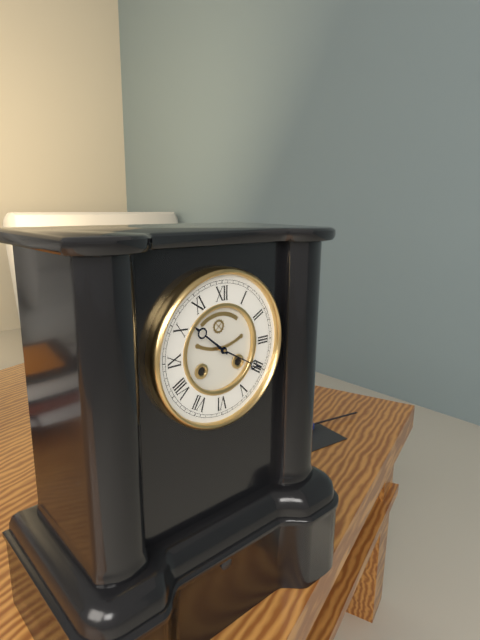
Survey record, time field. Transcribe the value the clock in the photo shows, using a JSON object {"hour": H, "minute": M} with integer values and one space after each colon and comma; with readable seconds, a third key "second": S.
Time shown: {"hour": 10, "minute": 20}
